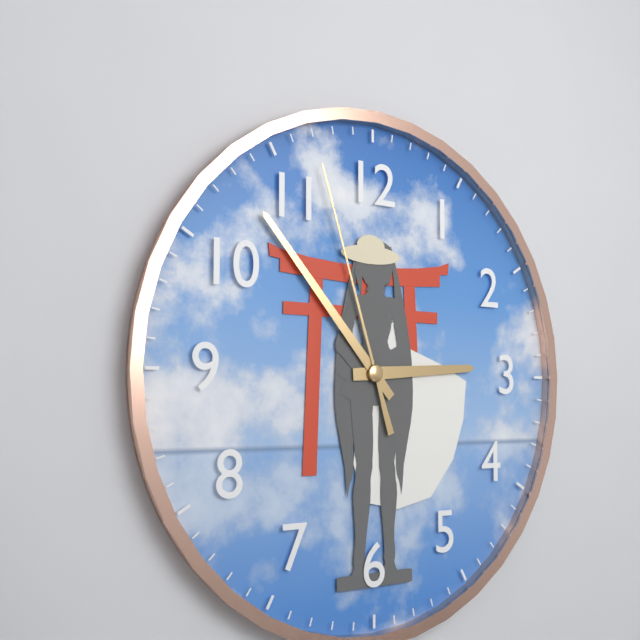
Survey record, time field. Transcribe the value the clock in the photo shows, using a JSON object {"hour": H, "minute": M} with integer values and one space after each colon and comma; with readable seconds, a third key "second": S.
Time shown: {"hour": 2, "minute": 53, "second": 57}
